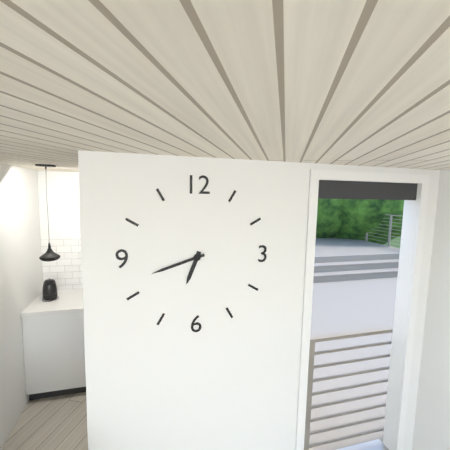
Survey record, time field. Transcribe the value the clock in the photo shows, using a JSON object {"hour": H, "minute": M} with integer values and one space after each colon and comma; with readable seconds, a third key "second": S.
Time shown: {"hour": 6, "minute": 42}
